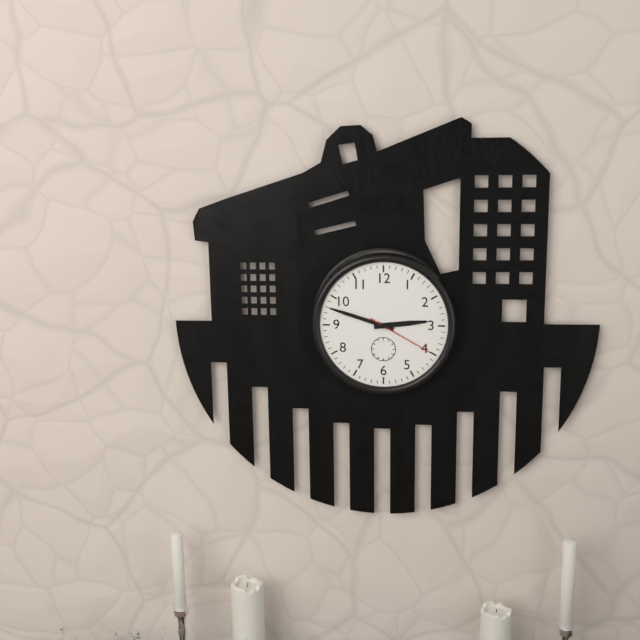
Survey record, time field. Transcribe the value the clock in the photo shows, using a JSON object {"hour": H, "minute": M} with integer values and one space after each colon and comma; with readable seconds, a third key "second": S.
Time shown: {"hour": 2, "minute": 48, "second": 20}
